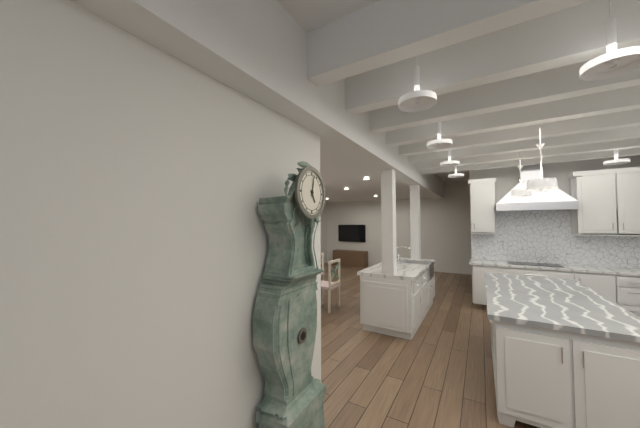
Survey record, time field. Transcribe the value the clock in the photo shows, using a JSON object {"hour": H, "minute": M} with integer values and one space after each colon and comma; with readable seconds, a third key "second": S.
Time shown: {"hour": 5, "minute": 2}
